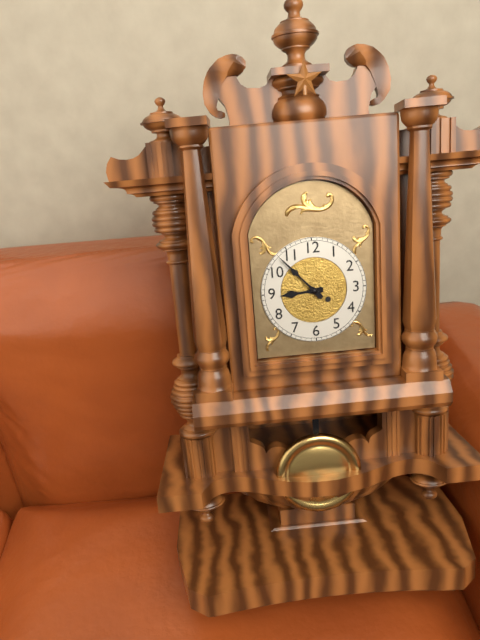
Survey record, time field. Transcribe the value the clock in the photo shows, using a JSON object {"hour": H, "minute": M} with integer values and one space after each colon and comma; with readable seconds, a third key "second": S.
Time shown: {"hour": 8, "minute": 53}
